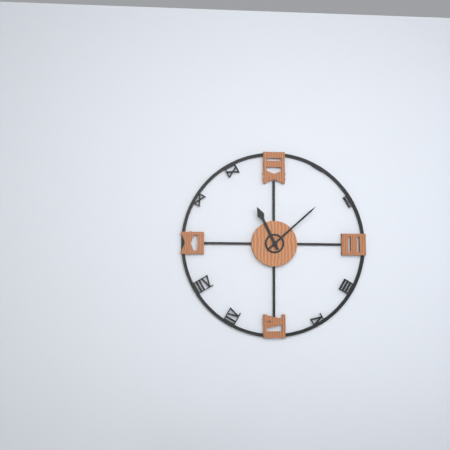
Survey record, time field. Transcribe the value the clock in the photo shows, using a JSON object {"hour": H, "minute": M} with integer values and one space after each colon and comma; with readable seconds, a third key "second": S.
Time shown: {"hour": 11, "minute": 8}
